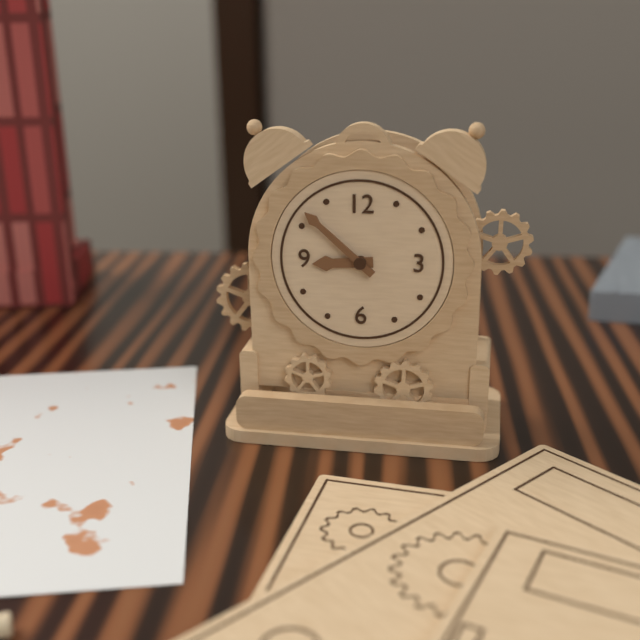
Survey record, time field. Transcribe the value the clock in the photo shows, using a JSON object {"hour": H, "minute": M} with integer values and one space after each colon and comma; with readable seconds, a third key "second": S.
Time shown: {"hour": 8, "minute": 52}
